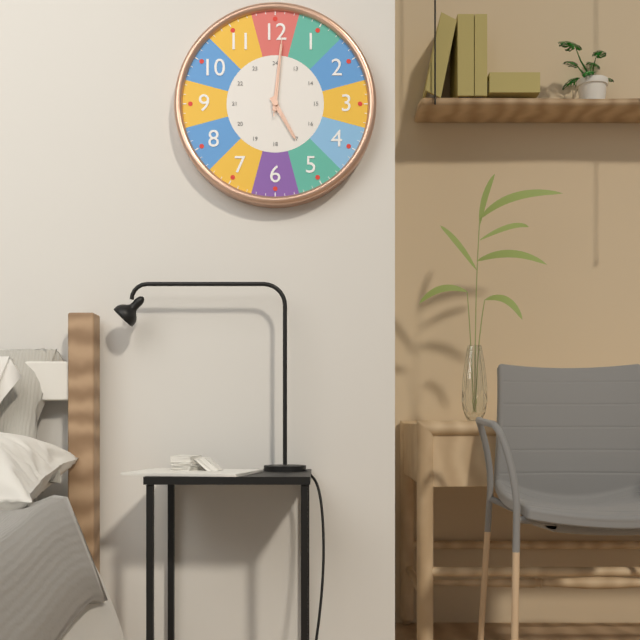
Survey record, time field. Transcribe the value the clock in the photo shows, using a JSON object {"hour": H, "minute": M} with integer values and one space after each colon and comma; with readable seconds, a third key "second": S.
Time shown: {"hour": 5, "minute": 1, "second": 1}
